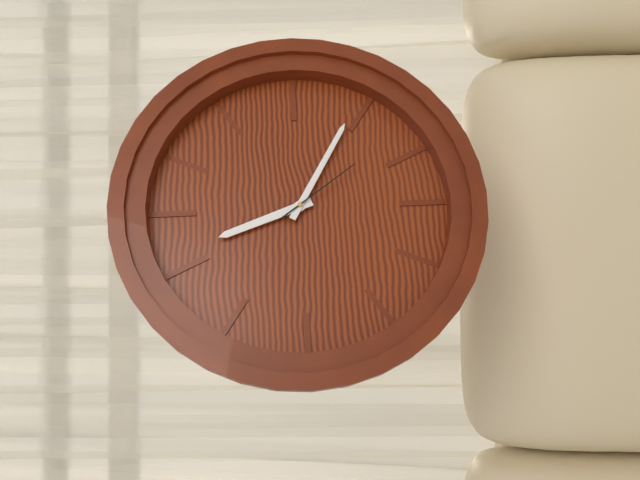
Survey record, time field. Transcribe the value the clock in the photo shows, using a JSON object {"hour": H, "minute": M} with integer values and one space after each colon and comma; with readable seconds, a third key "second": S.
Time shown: {"hour": 11, "minute": 20, "second": 24}
